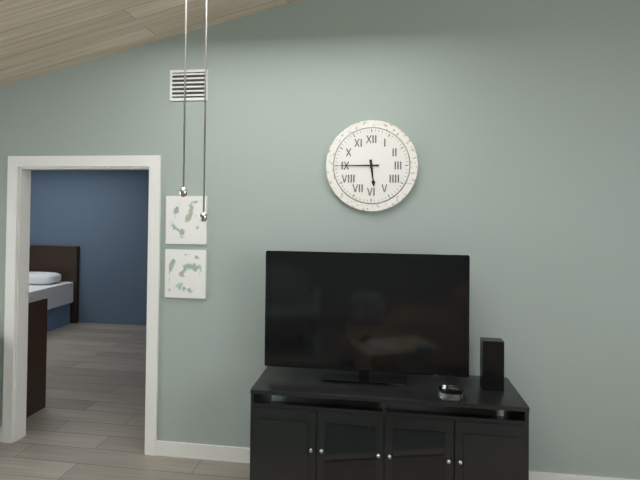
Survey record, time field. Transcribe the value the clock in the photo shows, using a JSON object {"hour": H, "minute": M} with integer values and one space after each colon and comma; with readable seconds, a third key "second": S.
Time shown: {"hour": 5, "minute": 45}
